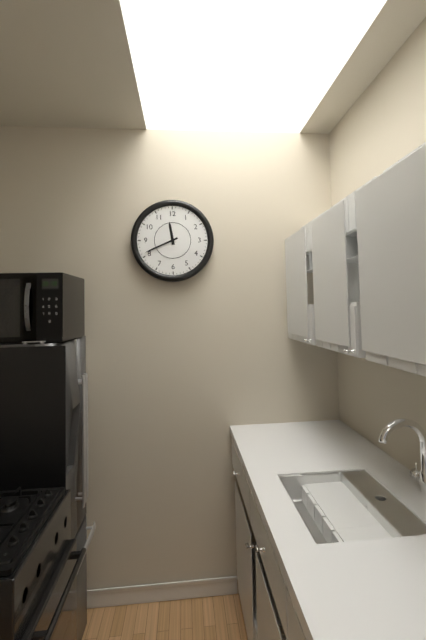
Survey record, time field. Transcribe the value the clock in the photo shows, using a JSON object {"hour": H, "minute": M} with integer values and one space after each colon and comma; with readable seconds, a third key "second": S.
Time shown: {"hour": 11, "minute": 41}
